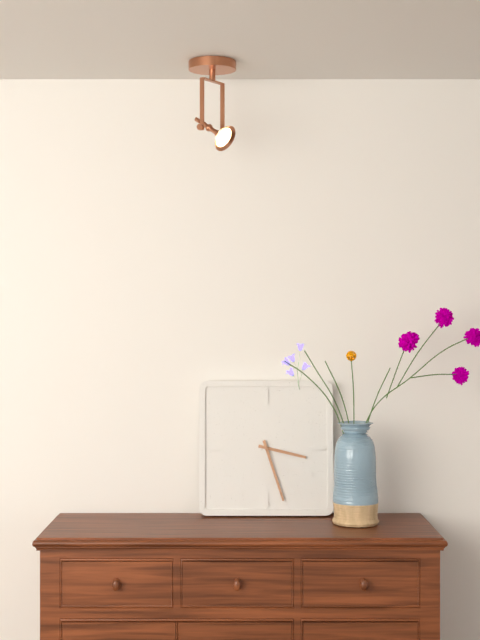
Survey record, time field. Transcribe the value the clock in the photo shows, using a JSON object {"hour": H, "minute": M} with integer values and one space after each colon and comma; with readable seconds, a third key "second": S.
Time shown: {"hour": 3, "minute": 27}
